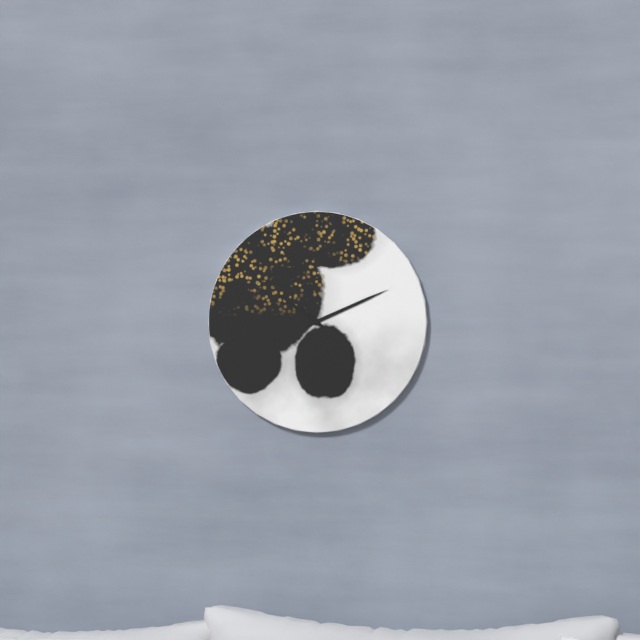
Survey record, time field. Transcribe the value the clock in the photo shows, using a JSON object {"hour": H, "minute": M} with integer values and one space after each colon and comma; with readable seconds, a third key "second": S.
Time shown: {"hour": 10, "minute": 11}
